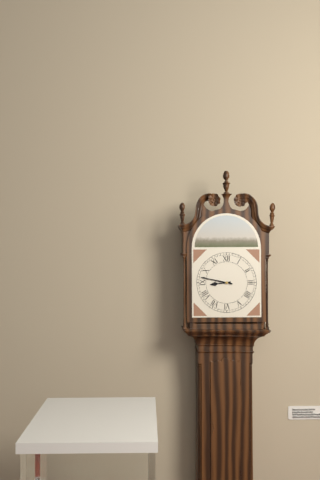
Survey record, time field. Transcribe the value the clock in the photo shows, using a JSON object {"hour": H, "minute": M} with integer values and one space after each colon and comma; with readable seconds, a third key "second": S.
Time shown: {"hour": 8, "minute": 47}
